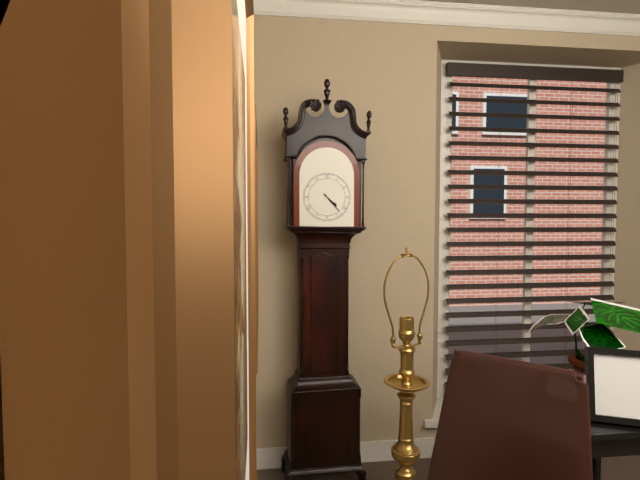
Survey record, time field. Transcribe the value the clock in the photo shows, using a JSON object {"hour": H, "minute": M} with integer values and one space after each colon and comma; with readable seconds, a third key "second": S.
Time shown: {"hour": 4, "minute": 23}
